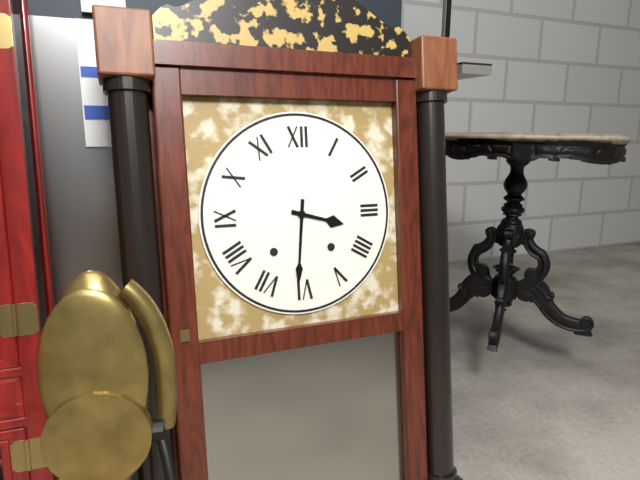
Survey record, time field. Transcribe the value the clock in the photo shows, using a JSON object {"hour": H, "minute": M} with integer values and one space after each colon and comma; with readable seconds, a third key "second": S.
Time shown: {"hour": 3, "minute": 31}
